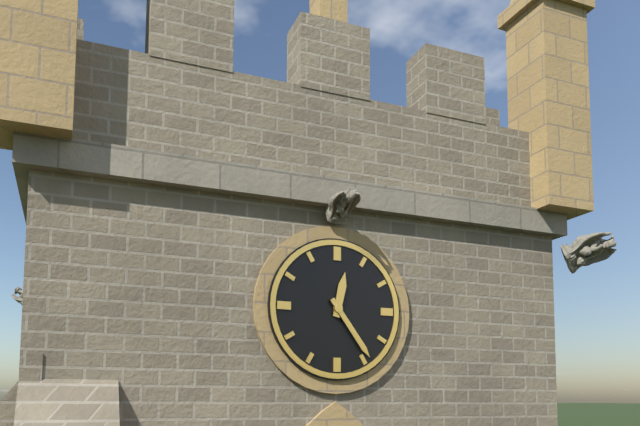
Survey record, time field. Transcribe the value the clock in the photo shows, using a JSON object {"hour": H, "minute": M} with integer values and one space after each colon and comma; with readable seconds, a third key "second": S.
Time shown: {"hour": 12, "minute": 24}
